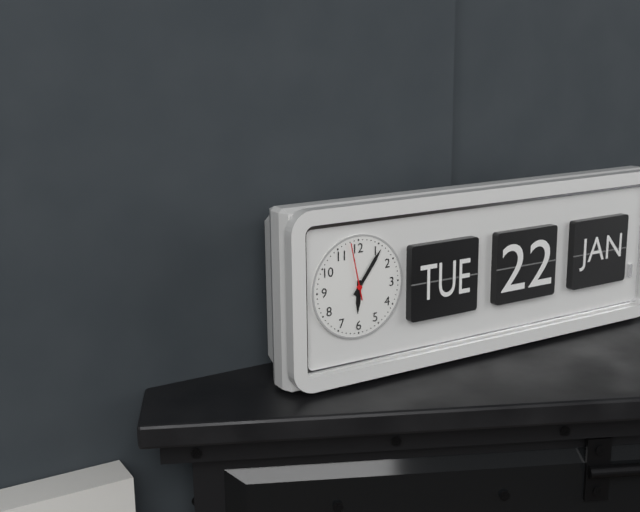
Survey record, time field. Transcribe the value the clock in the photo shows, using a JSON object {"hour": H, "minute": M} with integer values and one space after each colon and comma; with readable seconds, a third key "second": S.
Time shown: {"hour": 6, "minute": 6, "second": 58}
